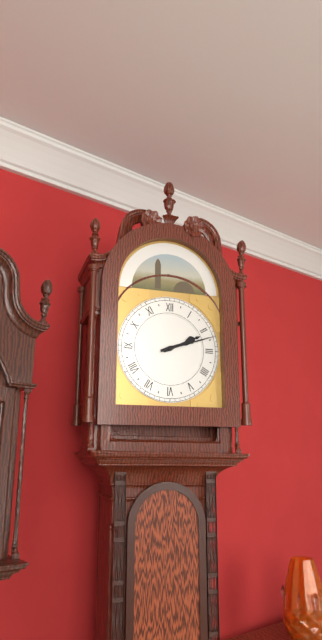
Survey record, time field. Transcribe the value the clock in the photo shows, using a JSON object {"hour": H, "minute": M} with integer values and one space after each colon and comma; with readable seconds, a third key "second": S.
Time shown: {"hour": 2, "minute": 12}
